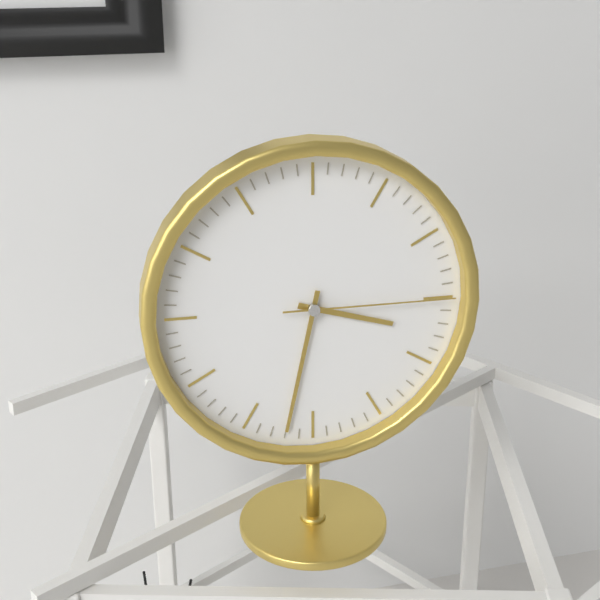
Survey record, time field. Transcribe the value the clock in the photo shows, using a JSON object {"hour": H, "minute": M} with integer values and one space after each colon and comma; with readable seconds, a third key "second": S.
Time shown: {"hour": 3, "minute": 32, "second": 15}
